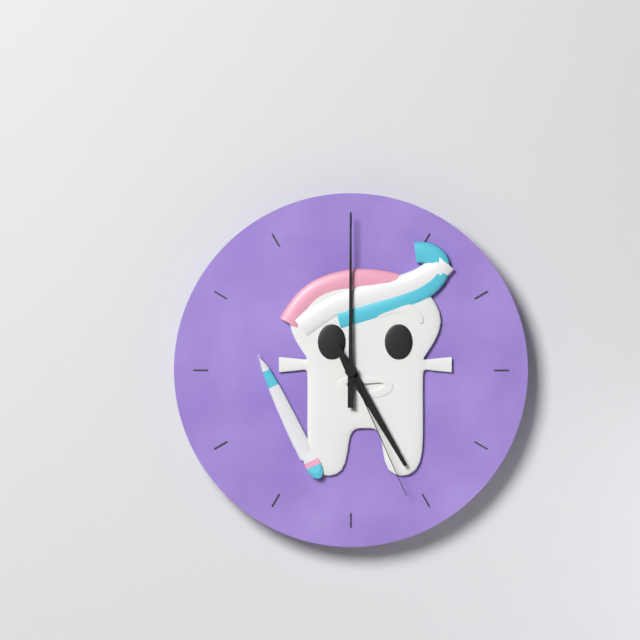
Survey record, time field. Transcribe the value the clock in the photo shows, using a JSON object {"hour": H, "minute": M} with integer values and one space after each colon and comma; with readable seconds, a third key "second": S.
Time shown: {"hour": 5, "minute": 0, "second": 26}
